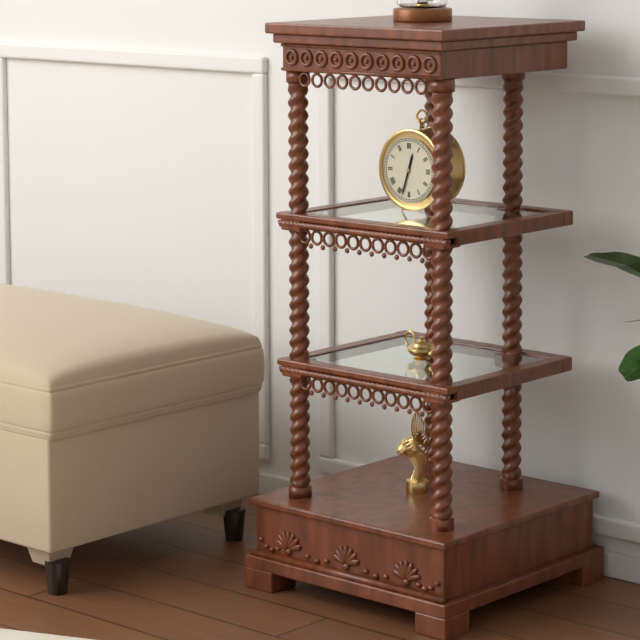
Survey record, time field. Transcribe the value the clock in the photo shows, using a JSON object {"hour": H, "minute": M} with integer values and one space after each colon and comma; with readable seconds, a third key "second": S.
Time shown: {"hour": 12, "minute": 33}
